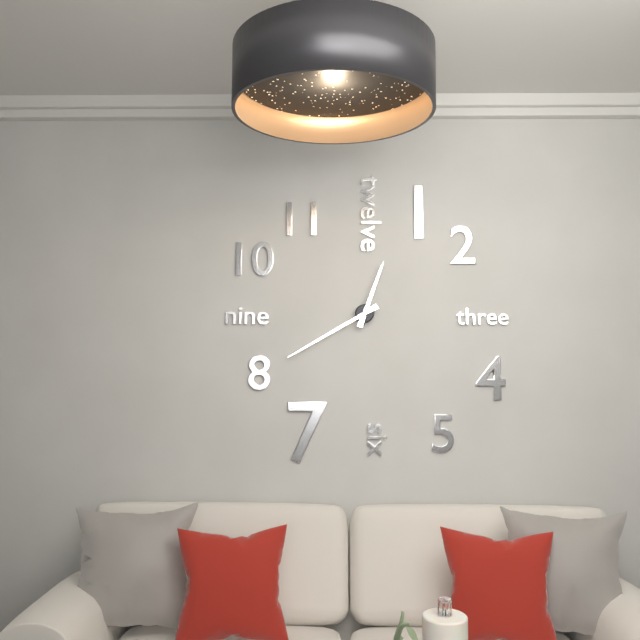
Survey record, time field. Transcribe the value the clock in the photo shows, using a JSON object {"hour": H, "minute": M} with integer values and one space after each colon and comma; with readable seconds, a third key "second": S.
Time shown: {"hour": 12, "minute": 40}
